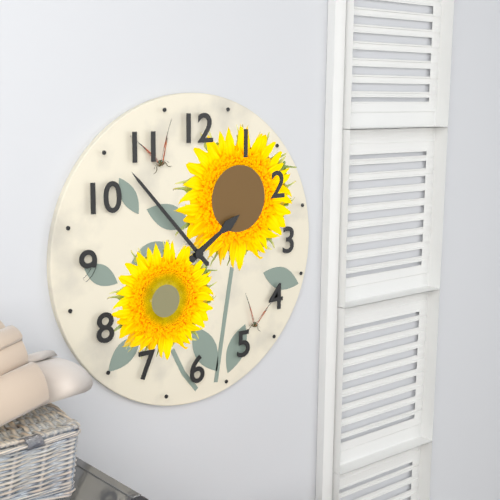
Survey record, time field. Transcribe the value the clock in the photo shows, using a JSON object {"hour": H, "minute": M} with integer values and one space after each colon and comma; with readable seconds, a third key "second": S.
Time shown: {"hour": 1, "minute": 53}
